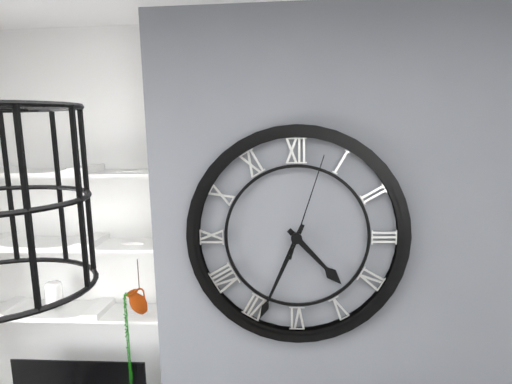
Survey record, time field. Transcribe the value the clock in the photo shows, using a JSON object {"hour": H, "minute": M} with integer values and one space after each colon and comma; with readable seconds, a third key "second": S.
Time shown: {"hour": 4, "minute": 34, "second": 3}
